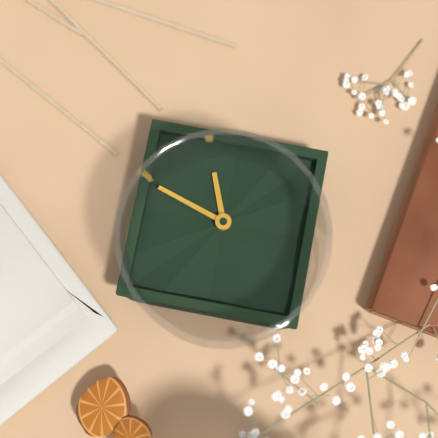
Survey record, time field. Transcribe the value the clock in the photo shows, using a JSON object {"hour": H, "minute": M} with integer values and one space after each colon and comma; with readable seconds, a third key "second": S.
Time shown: {"hour": 5, "minute": 18}
